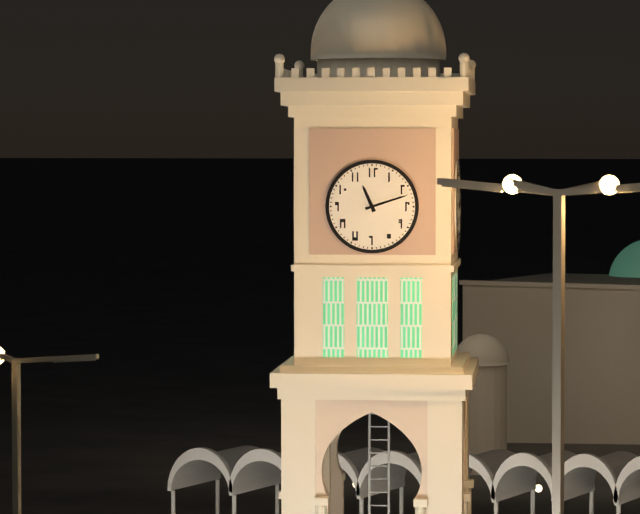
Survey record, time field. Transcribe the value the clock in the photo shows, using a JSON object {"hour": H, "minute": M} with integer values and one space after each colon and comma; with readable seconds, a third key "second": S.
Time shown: {"hour": 11, "minute": 12}
